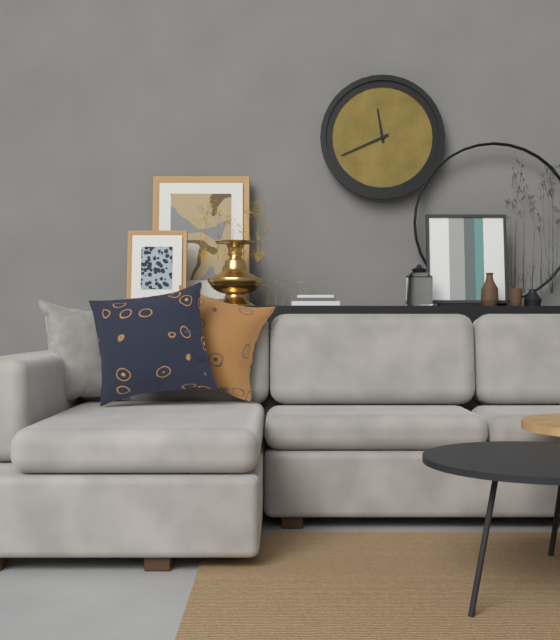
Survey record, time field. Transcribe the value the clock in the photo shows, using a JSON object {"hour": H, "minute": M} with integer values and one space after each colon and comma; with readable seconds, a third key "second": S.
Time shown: {"hour": 11, "minute": 41}
